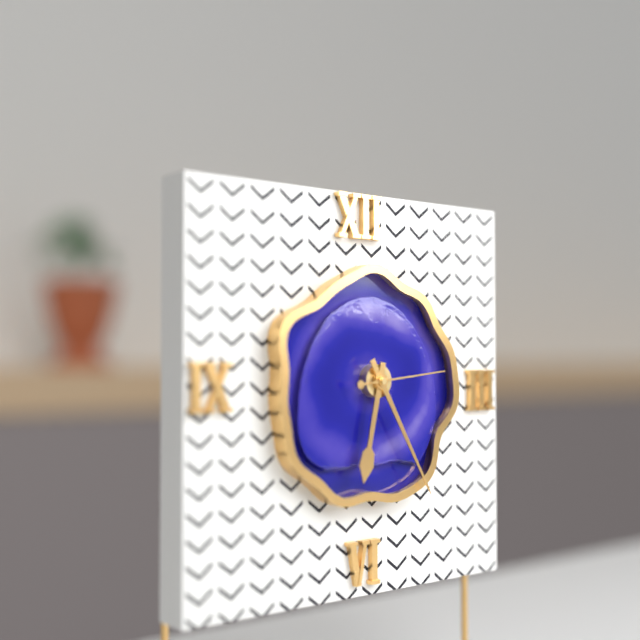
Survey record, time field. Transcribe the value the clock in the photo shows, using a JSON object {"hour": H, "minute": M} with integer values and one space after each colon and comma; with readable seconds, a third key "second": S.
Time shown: {"hour": 6, "minute": 25, "second": 14}
